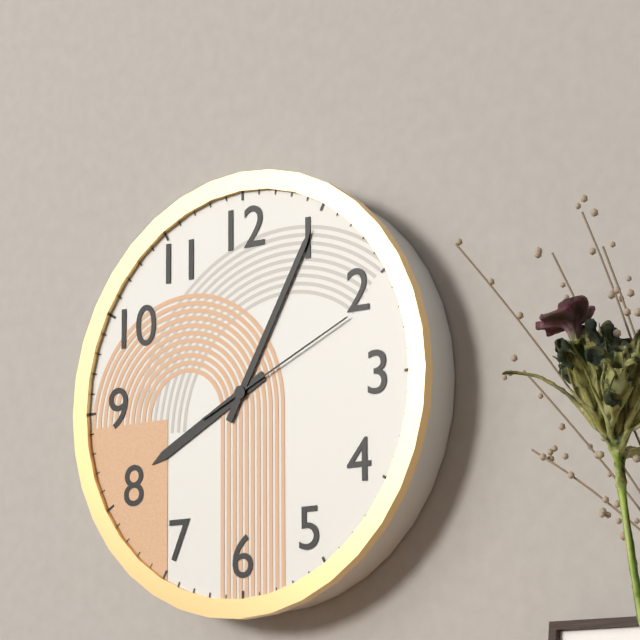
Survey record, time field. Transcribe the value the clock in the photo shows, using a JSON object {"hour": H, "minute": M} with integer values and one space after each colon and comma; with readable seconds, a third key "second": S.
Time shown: {"hour": 8, "minute": 5, "second": 11}
